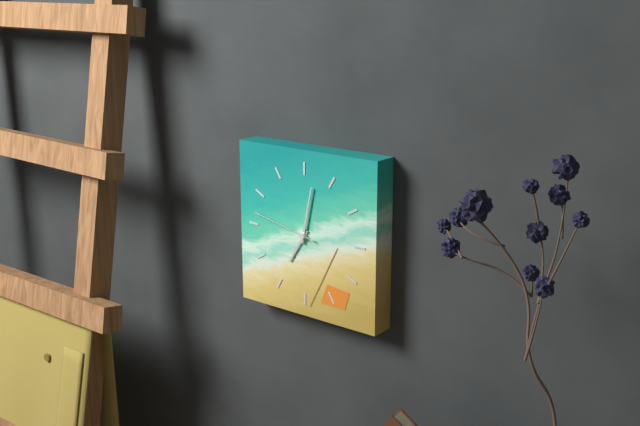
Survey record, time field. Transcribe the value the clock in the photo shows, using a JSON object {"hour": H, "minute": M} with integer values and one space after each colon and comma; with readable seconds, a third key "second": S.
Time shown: {"hour": 7, "minute": 2, "second": 47}
